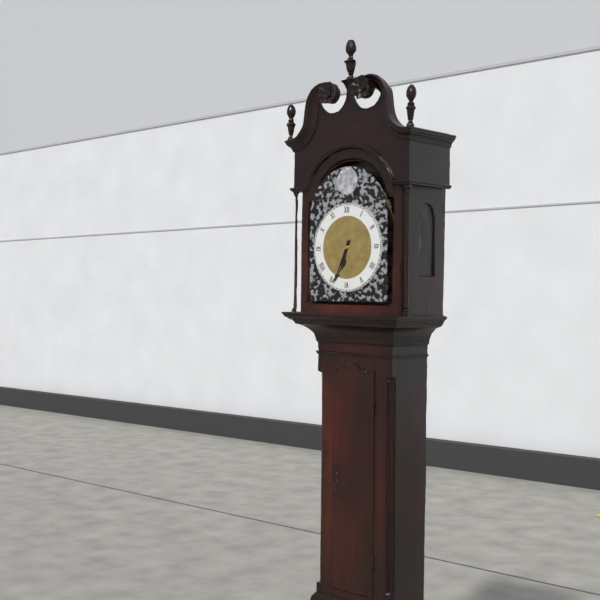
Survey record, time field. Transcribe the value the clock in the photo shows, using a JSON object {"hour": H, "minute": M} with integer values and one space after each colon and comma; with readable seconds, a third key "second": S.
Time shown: {"hour": 6, "minute": 34}
